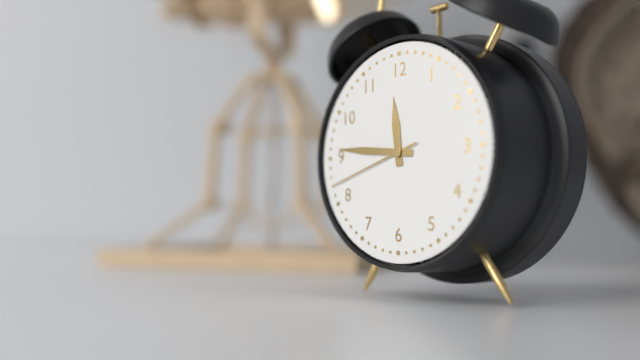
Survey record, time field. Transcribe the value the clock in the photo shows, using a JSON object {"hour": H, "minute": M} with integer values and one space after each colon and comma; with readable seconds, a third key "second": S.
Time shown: {"hour": 11, "minute": 46, "second": 42}
